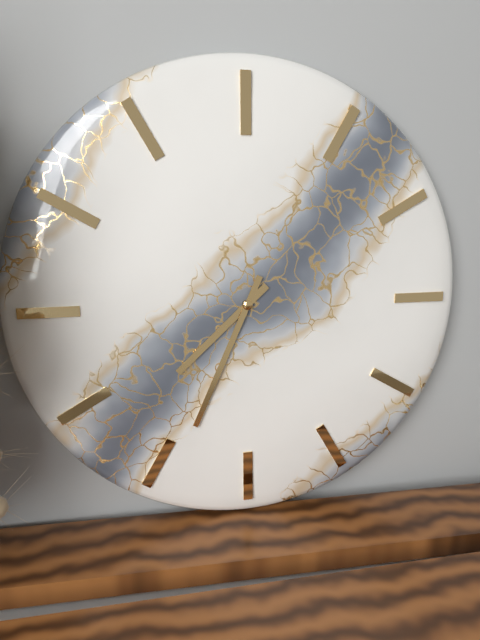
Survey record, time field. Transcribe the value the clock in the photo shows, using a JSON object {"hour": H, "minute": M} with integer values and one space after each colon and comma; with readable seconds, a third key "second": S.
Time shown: {"hour": 7, "minute": 34}
